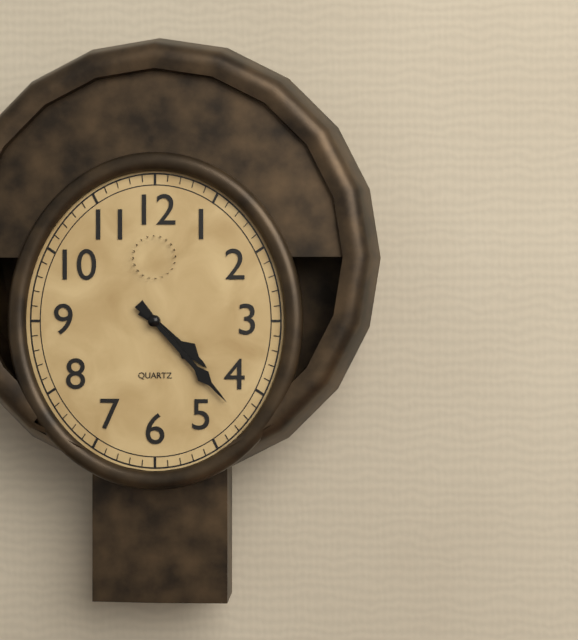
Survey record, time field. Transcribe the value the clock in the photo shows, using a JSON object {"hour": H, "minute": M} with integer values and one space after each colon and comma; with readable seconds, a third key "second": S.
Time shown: {"hour": 4, "minute": 23}
